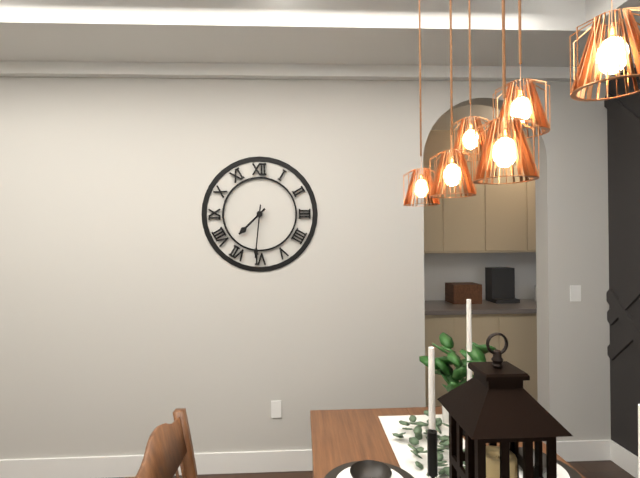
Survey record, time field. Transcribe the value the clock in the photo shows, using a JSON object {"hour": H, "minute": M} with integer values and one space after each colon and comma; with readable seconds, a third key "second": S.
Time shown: {"hour": 7, "minute": 31}
